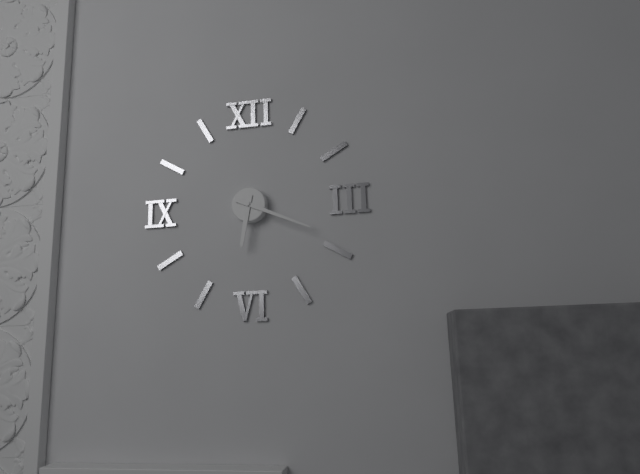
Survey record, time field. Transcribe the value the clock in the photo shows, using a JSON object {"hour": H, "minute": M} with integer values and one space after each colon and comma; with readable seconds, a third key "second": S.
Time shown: {"hour": 6, "minute": 19}
